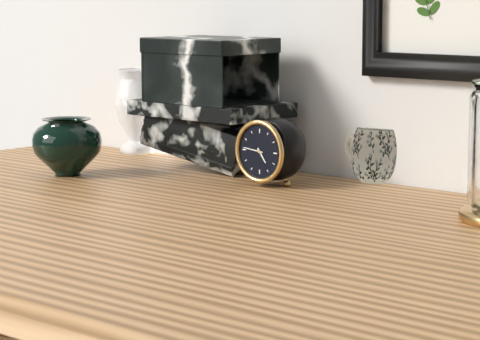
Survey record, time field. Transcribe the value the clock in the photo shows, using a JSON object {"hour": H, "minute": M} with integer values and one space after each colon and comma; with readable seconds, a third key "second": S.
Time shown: {"hour": 4, "minute": 46}
